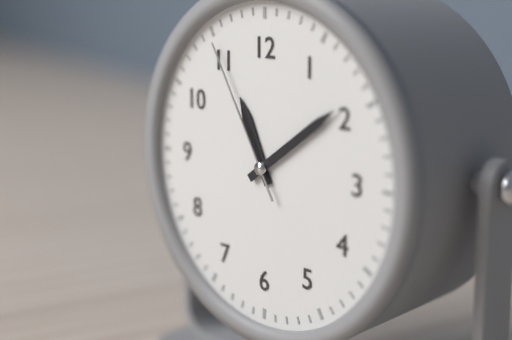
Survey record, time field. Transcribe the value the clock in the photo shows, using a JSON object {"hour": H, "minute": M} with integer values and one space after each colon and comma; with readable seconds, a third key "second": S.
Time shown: {"hour": 11, "minute": 9, "second": 55}
